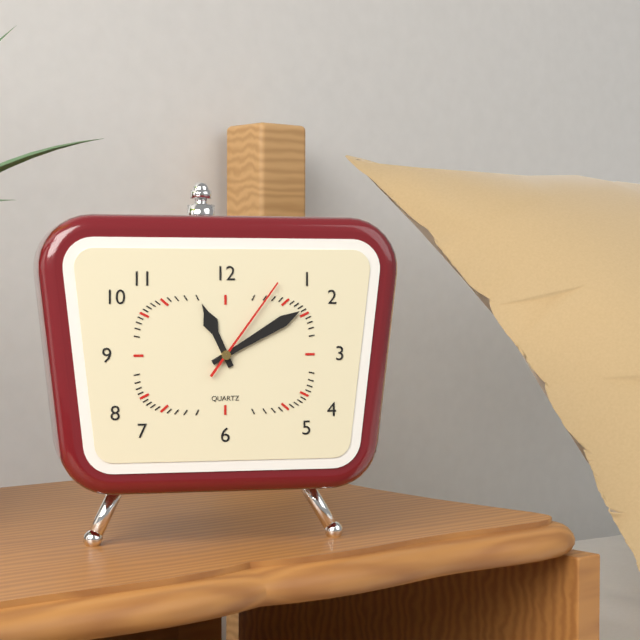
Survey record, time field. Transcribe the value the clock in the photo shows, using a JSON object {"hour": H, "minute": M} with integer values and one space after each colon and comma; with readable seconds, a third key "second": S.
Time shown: {"hour": 11, "minute": 10, "second": 6}
